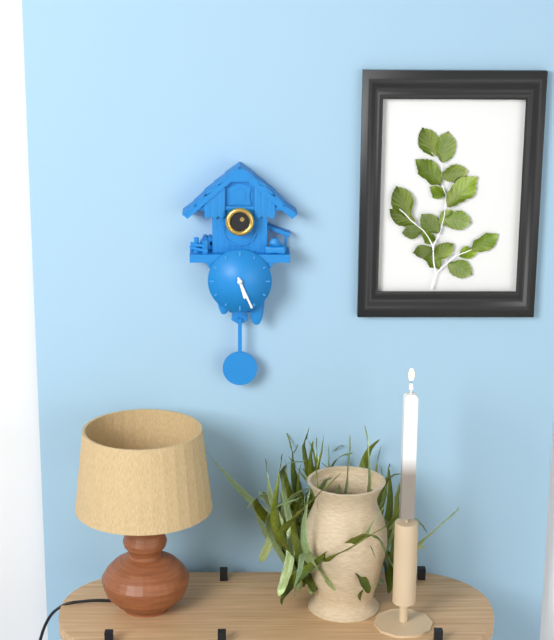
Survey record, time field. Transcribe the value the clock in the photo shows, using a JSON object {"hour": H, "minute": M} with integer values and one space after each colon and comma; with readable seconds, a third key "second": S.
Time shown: {"hour": 5, "minute": 26}
